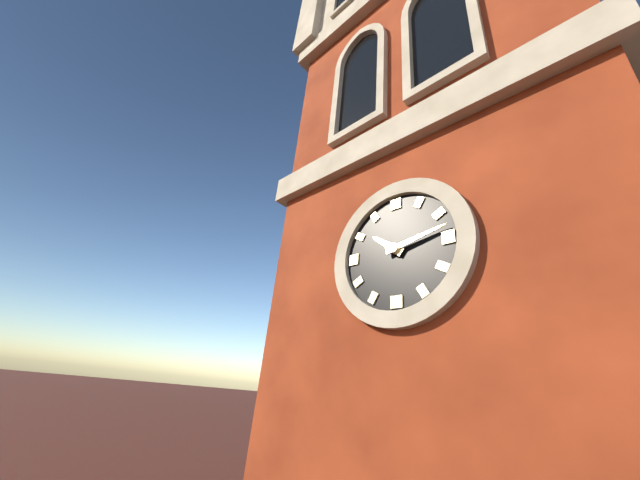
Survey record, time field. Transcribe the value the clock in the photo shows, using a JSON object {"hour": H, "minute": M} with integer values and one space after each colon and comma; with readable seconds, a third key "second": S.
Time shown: {"hour": 10, "minute": 13}
